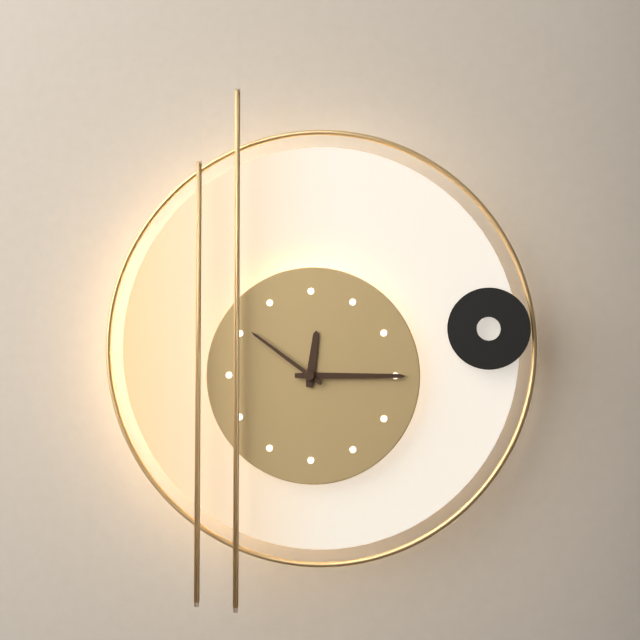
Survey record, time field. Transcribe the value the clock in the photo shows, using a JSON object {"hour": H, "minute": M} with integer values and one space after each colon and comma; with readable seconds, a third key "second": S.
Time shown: {"hour": 12, "minute": 15, "second": 51}
